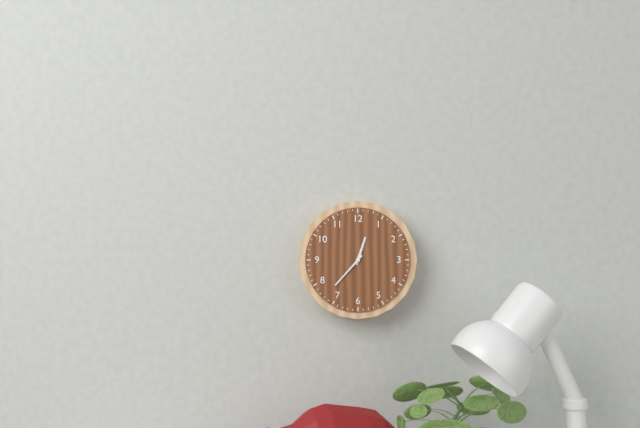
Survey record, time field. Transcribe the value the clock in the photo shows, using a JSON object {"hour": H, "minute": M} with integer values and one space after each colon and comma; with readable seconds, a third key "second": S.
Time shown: {"hour": 12, "minute": 37}
